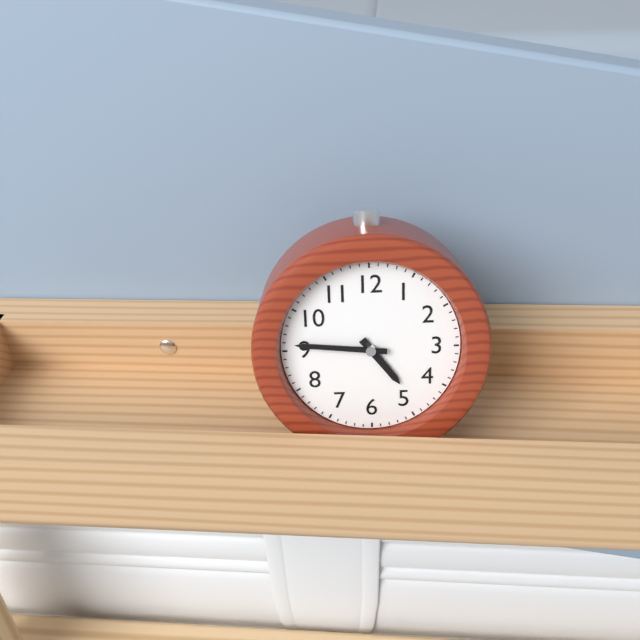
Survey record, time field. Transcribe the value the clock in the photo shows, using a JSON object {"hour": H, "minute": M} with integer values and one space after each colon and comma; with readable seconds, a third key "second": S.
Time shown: {"hour": 4, "minute": 46}
